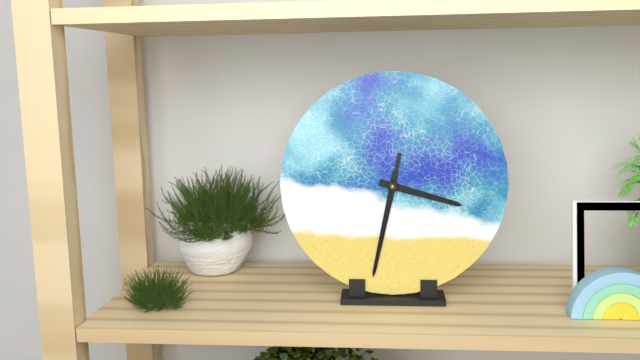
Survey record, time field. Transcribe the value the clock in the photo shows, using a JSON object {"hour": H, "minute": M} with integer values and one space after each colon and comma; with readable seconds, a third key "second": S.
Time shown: {"hour": 3, "minute": 32, "second": 32}
